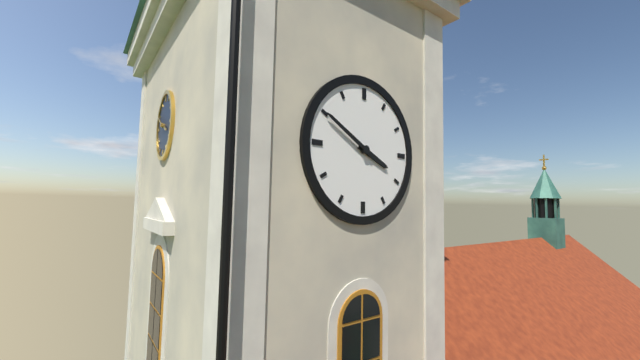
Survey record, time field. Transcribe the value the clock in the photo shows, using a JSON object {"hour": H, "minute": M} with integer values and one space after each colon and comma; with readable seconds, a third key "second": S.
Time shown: {"hour": 3, "minute": 50}
